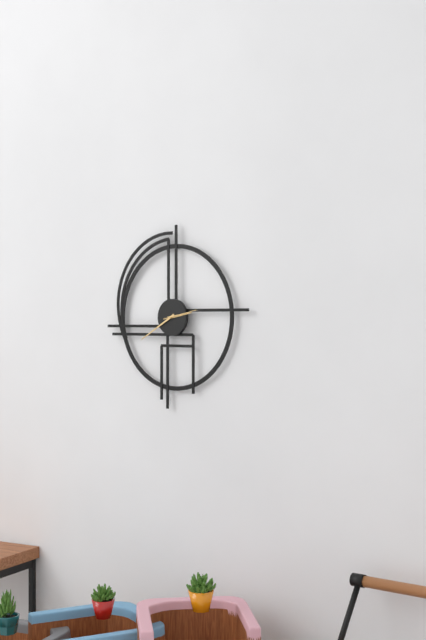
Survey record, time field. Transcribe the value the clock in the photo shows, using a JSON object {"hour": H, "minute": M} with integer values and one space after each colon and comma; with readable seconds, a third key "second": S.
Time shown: {"hour": 2, "minute": 40}
